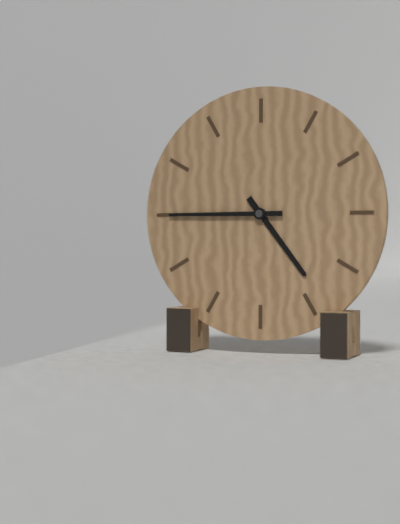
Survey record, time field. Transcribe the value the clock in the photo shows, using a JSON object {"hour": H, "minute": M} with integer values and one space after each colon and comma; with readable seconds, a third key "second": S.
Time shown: {"hour": 4, "minute": 45}
